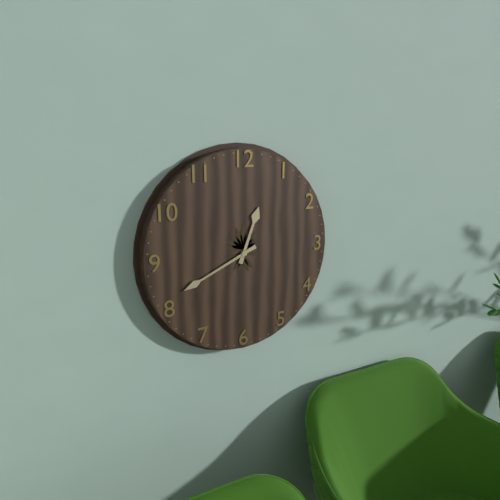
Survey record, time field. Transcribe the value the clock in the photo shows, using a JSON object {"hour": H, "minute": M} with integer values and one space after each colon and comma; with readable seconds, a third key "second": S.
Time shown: {"hour": 12, "minute": 41}
